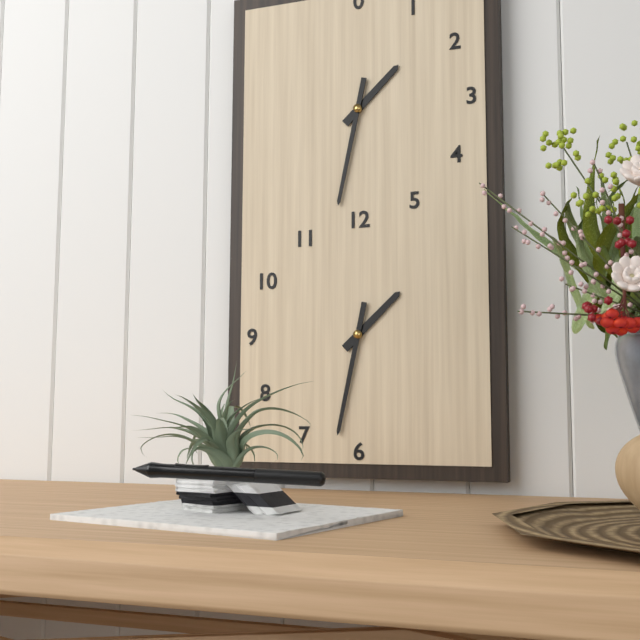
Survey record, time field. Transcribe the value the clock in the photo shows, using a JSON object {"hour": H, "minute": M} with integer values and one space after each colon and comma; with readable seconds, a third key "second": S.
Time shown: {"hour": 1, "minute": 32}
